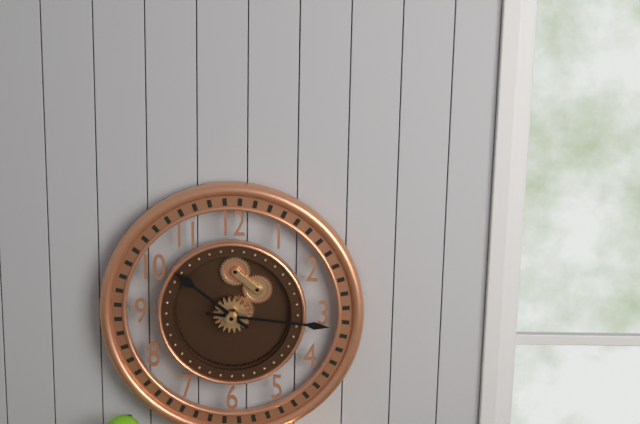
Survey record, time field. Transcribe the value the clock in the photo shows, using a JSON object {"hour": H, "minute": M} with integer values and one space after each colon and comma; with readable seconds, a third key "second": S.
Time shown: {"hour": 10, "minute": 16}
